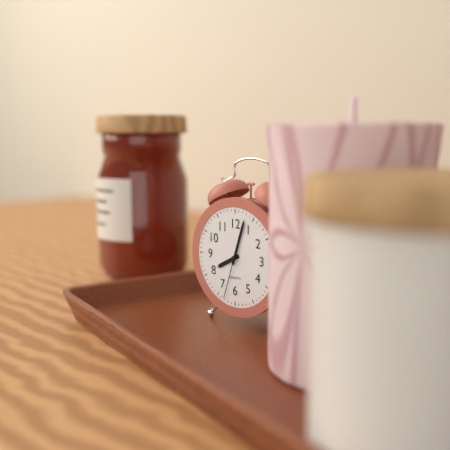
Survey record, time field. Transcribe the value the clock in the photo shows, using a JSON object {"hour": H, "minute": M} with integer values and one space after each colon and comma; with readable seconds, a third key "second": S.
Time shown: {"hour": 8, "minute": 3, "second": 33}
